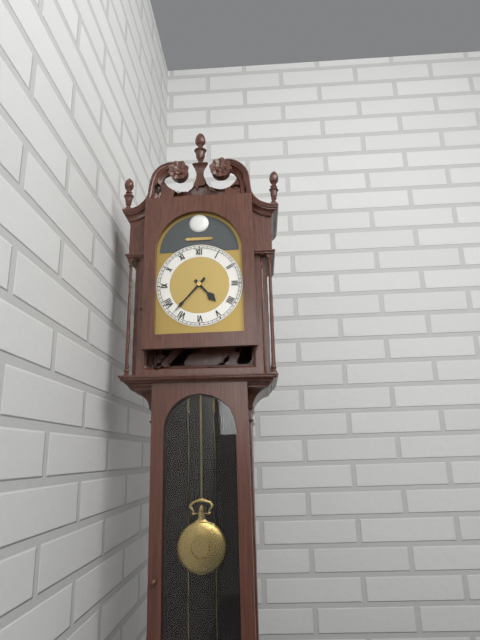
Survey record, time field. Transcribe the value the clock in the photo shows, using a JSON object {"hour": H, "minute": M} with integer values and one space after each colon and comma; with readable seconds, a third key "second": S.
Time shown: {"hour": 4, "minute": 37}
